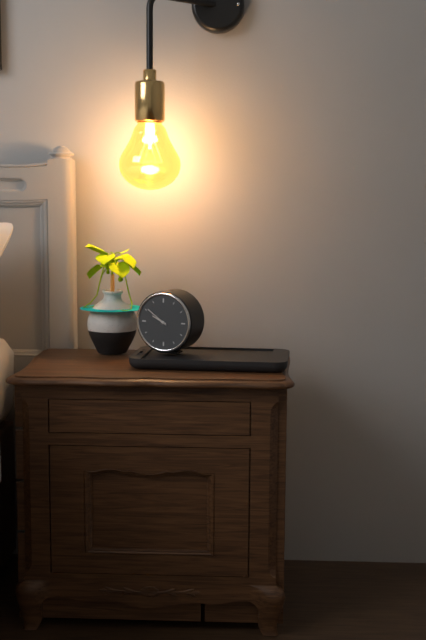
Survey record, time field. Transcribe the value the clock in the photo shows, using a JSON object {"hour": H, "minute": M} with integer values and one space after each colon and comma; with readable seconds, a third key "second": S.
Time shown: {"hour": 9, "minute": 51}
